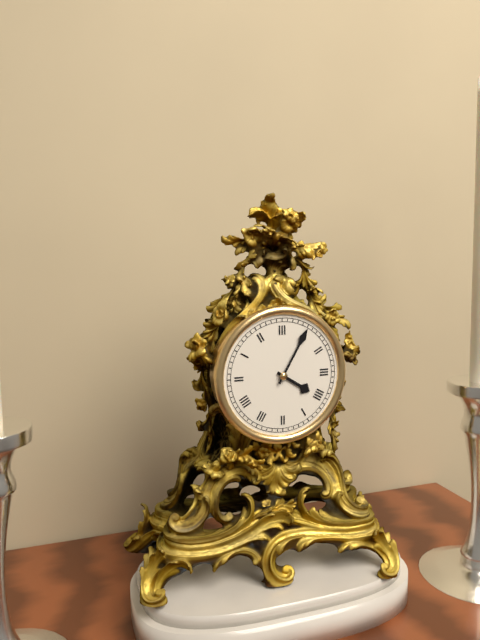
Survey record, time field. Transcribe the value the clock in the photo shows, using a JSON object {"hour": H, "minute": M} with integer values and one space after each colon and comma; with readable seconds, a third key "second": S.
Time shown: {"hour": 4, "minute": 5}
